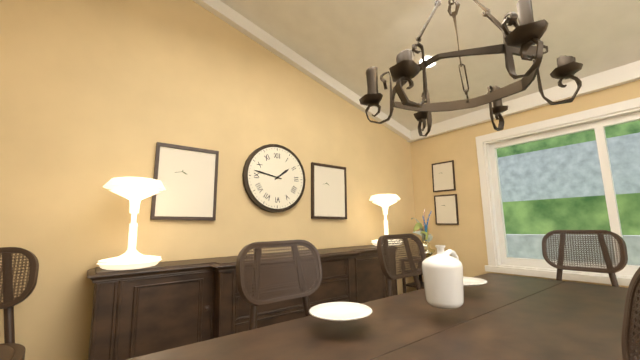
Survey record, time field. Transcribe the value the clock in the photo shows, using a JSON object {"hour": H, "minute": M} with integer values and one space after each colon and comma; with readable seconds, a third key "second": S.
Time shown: {"hour": 1, "minute": 47}
